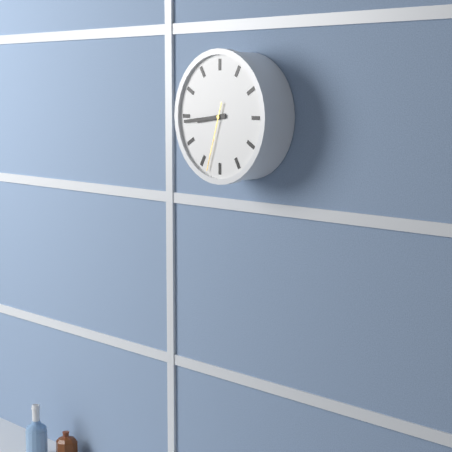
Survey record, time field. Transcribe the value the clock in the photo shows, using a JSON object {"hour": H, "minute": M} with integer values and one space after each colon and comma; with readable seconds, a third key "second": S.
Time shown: {"hour": 8, "minute": 44, "second": 33}
